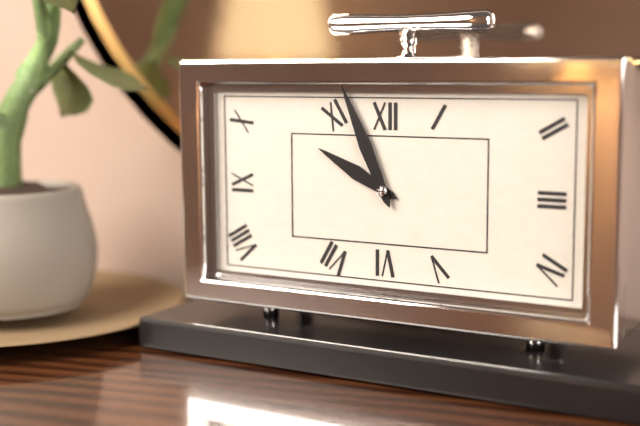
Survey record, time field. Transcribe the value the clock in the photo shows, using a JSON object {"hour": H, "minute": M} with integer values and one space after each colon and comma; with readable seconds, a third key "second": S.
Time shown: {"hour": 9, "minute": 56}
